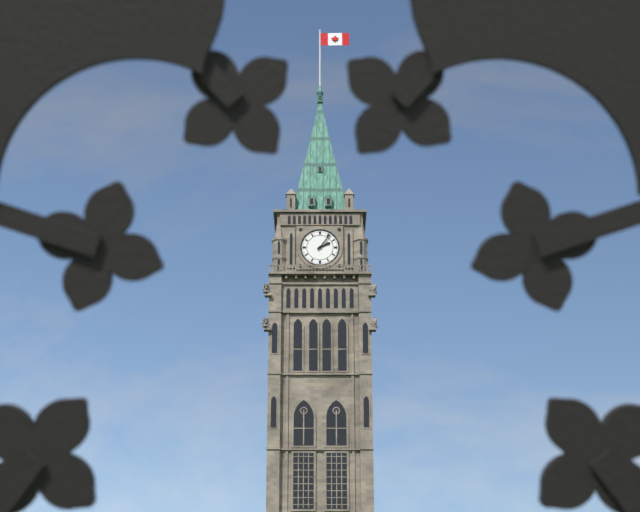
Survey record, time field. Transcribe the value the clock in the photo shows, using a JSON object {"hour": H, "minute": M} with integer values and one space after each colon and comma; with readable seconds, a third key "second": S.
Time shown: {"hour": 2, "minute": 6}
